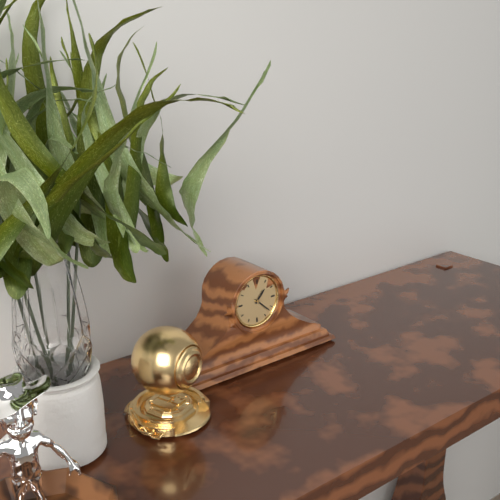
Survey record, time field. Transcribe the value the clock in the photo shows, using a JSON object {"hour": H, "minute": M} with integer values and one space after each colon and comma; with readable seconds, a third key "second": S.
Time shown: {"hour": 1, "minute": 22}
